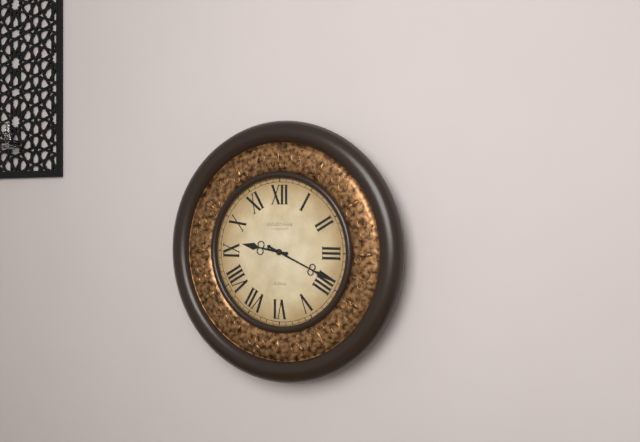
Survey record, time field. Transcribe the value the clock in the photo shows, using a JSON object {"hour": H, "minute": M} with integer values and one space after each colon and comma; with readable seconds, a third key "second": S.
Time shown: {"hour": 9, "minute": 19}
